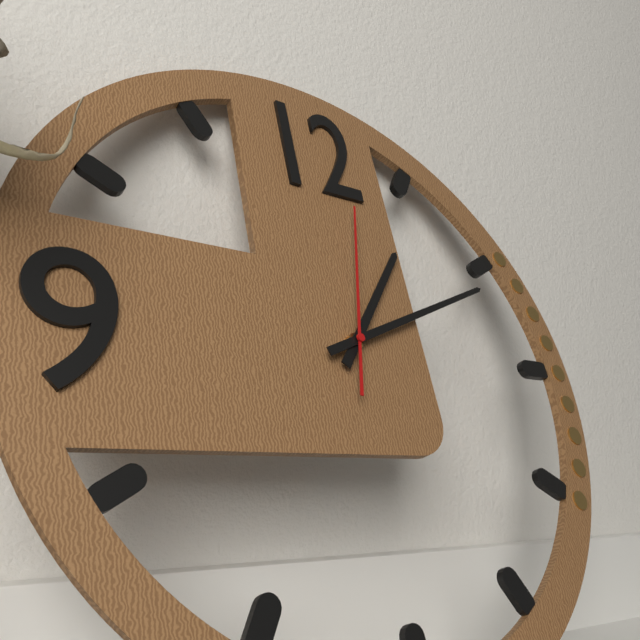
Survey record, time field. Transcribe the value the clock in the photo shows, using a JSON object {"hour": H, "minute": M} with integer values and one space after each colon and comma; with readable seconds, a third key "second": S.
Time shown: {"hour": 1, "minute": 11, "second": 2}
